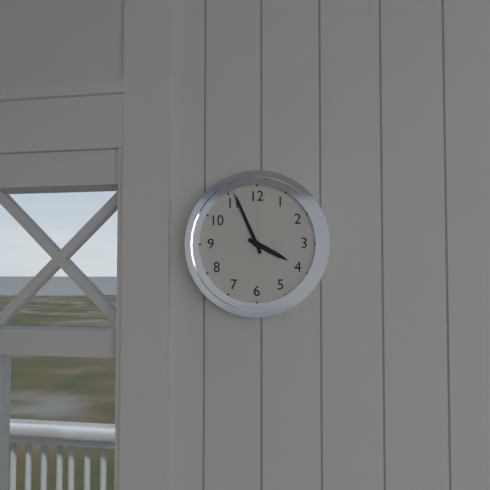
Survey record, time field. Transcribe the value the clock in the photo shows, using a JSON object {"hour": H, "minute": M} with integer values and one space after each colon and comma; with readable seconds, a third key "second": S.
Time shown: {"hour": 3, "minute": 56}
